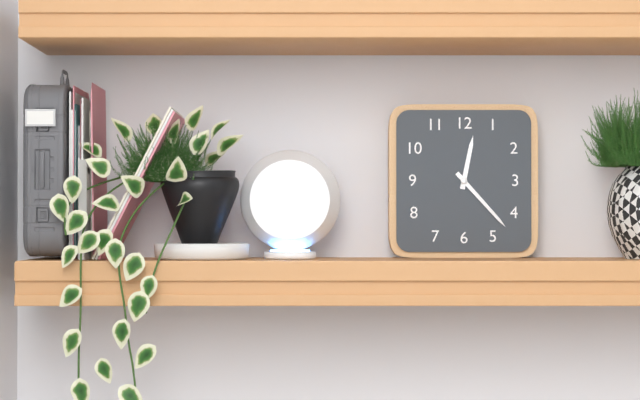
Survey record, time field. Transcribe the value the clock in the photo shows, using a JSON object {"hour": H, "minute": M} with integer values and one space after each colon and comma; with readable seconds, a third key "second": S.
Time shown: {"hour": 12, "minute": 23}
